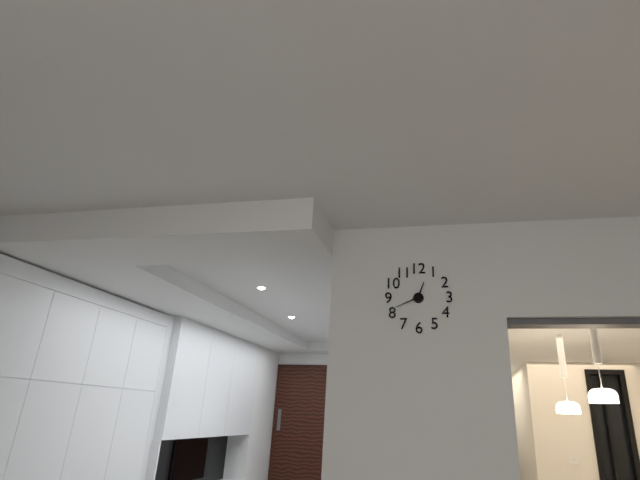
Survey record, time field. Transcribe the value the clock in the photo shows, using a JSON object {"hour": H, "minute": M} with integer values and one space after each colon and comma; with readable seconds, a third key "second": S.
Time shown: {"hour": 12, "minute": 41}
